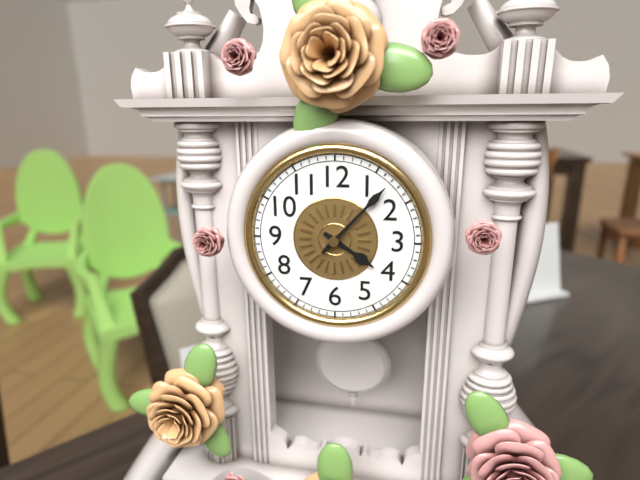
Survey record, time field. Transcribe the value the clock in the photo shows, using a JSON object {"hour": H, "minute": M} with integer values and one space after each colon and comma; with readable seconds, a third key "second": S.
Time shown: {"hour": 4, "minute": 7}
